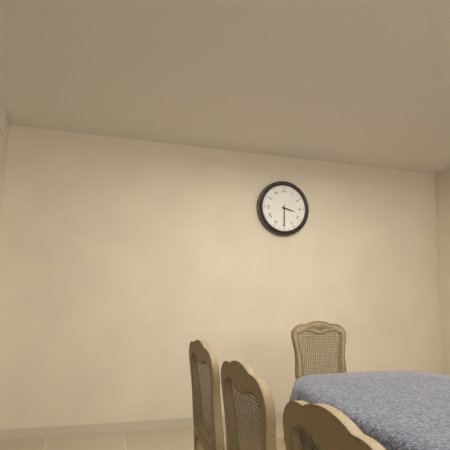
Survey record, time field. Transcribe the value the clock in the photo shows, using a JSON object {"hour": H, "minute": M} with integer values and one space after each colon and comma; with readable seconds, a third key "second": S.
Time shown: {"hour": 3, "minute": 30}
